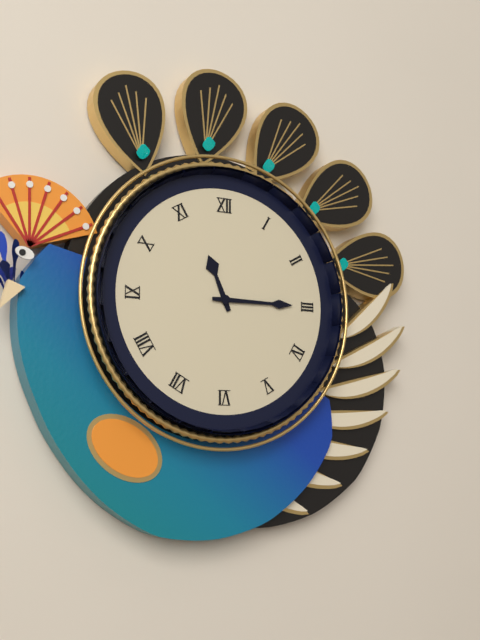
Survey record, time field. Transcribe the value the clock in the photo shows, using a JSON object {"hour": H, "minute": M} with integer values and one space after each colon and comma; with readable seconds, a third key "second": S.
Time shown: {"hour": 11, "minute": 15}
